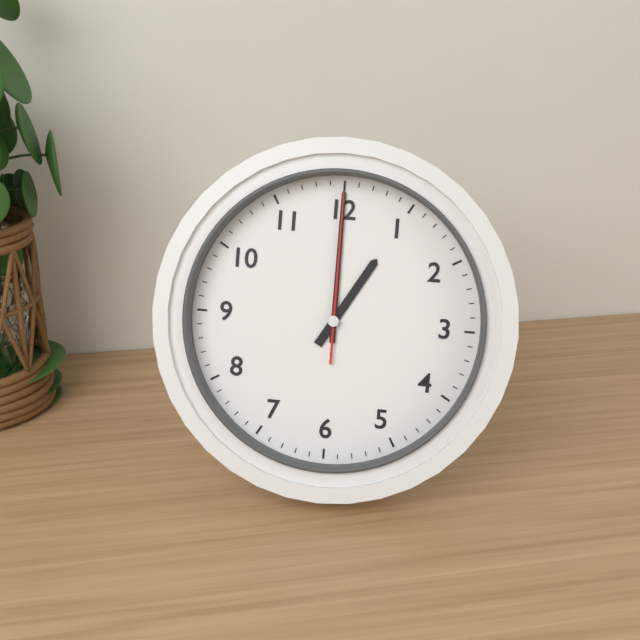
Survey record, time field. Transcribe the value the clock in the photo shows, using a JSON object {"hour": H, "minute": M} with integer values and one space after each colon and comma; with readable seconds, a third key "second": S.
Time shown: {"hour": 1, "minute": 0, "second": 0}
